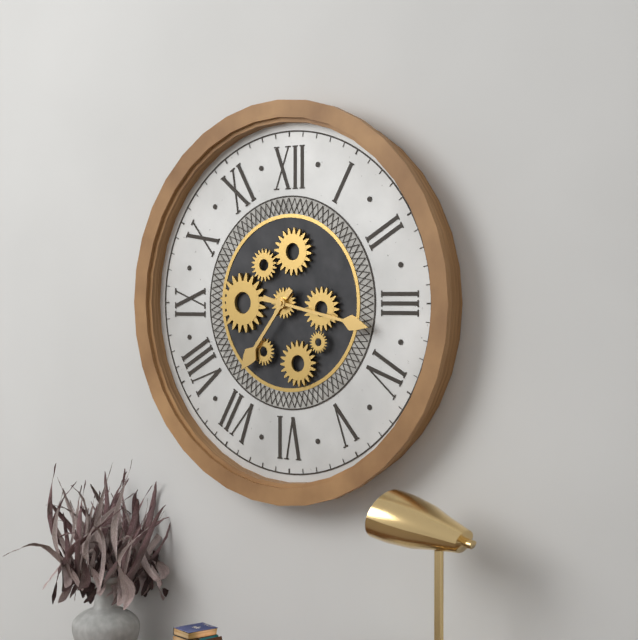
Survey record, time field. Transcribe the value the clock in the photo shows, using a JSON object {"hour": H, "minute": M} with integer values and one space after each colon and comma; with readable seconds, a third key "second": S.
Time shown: {"hour": 7, "minute": 17}
